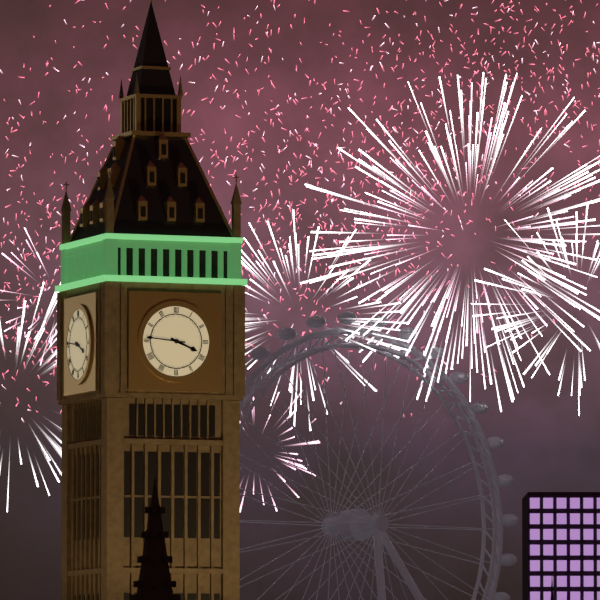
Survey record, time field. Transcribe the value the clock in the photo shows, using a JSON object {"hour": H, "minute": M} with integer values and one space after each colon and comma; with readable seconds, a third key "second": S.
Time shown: {"hour": 3, "minute": 46}
